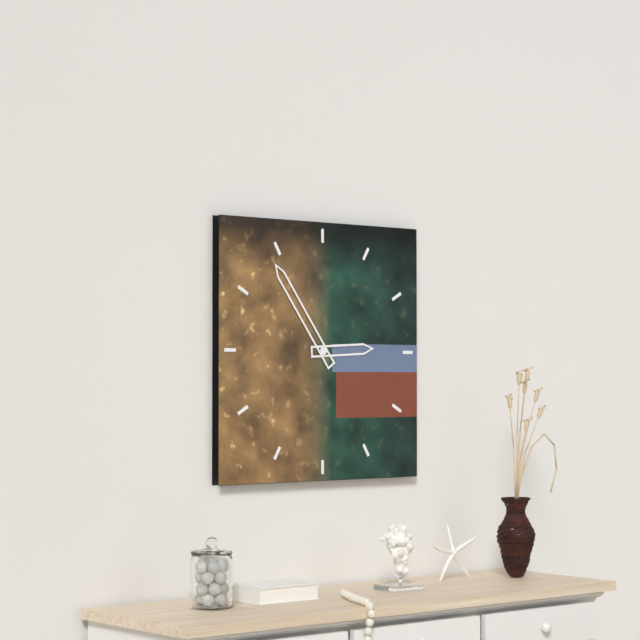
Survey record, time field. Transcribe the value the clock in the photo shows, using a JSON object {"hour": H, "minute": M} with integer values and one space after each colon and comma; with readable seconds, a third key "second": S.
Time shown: {"hour": 2, "minute": 54}
